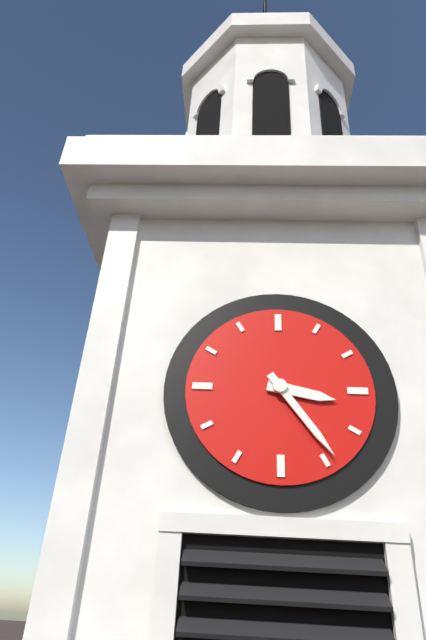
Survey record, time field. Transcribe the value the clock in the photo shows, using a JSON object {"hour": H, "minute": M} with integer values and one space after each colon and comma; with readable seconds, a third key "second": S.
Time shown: {"hour": 3, "minute": 24}
